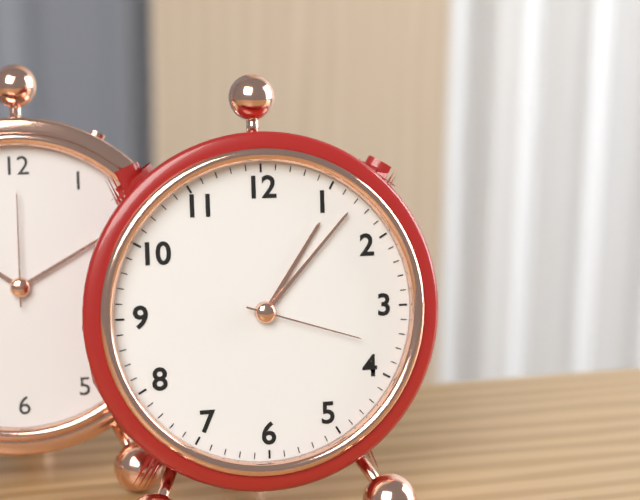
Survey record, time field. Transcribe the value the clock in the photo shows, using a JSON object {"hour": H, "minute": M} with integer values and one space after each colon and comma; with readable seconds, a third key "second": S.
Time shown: {"hour": 1, "minute": 7, "second": 18}
